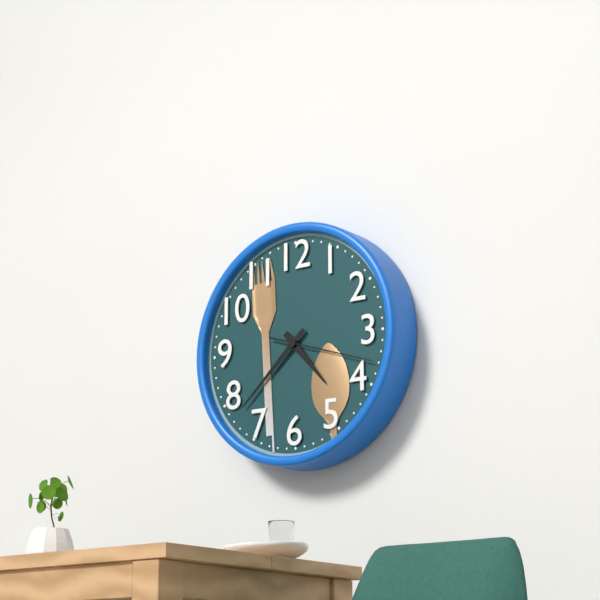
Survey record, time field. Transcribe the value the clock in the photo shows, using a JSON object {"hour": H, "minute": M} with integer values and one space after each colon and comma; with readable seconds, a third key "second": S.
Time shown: {"hour": 4, "minute": 38, "second": 18}
